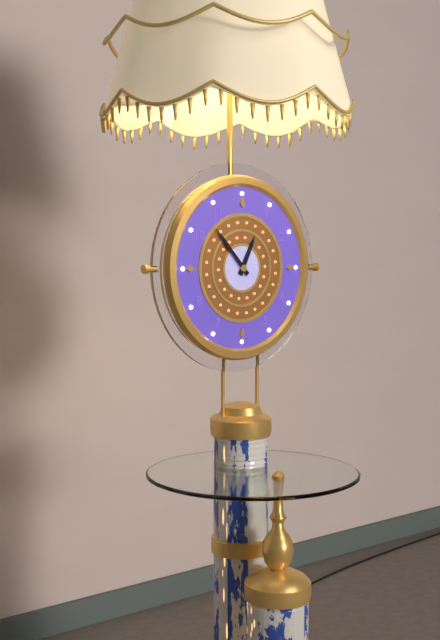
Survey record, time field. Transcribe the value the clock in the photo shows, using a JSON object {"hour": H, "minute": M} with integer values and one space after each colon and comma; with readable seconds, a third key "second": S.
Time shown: {"hour": 12, "minute": 53}
